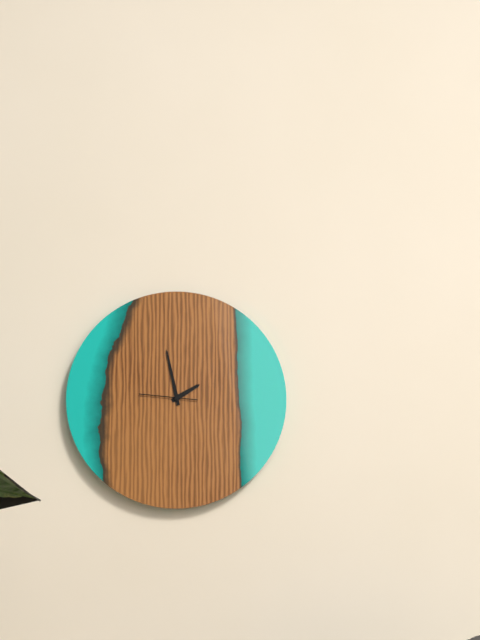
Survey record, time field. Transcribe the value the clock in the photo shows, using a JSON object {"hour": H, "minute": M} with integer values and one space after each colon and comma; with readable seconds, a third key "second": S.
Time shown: {"hour": 1, "minute": 58}
